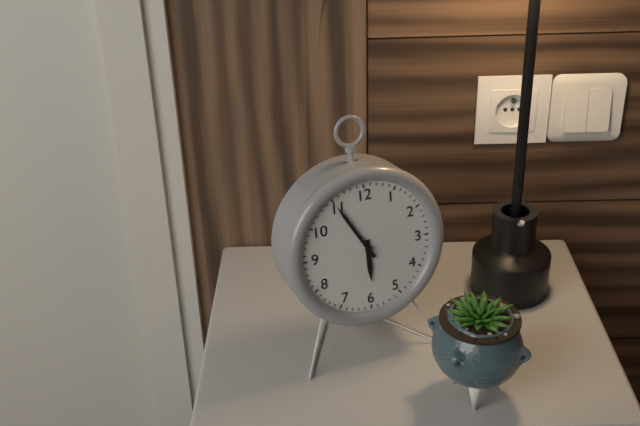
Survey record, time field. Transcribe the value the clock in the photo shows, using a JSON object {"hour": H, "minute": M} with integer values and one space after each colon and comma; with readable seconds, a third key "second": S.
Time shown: {"hour": 5, "minute": 55}
